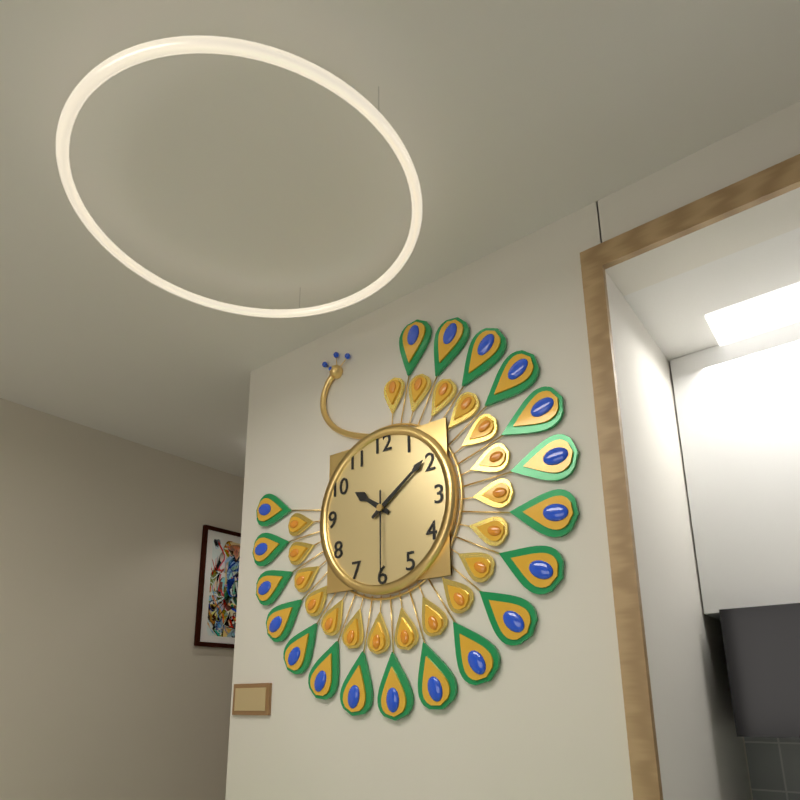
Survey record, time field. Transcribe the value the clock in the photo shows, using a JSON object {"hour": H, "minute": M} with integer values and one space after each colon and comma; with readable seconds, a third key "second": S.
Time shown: {"hour": 10, "minute": 9, "second": 30}
